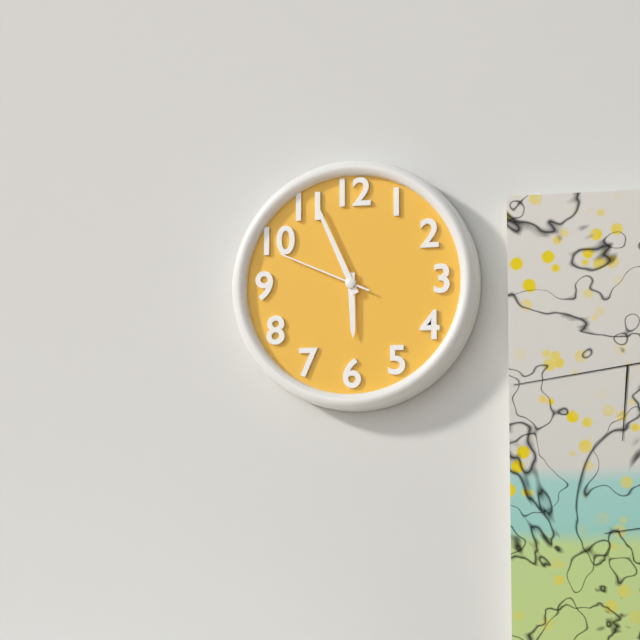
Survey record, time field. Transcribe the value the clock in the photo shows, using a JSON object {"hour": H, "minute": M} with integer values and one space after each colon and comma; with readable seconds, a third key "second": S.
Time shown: {"hour": 5, "minute": 56, "second": 49}
